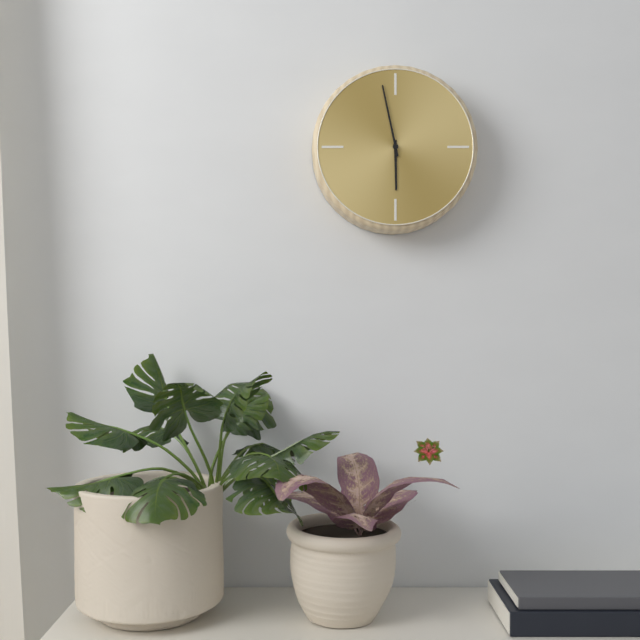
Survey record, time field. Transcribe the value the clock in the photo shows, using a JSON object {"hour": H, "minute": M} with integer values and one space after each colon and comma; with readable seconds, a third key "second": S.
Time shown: {"hour": 5, "minute": 58}
